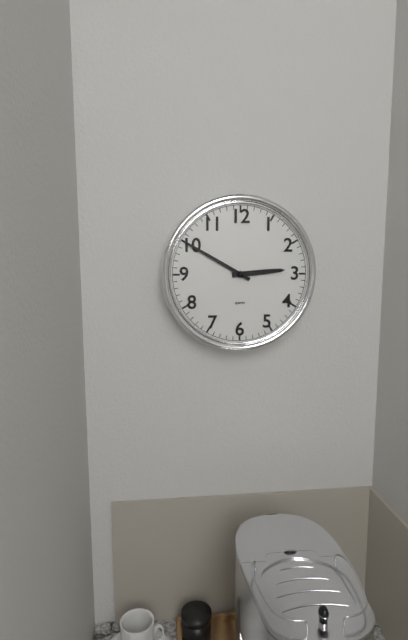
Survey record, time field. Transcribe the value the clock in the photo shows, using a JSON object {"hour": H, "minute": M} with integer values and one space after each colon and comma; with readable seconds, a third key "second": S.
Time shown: {"hour": 2, "minute": 50}
